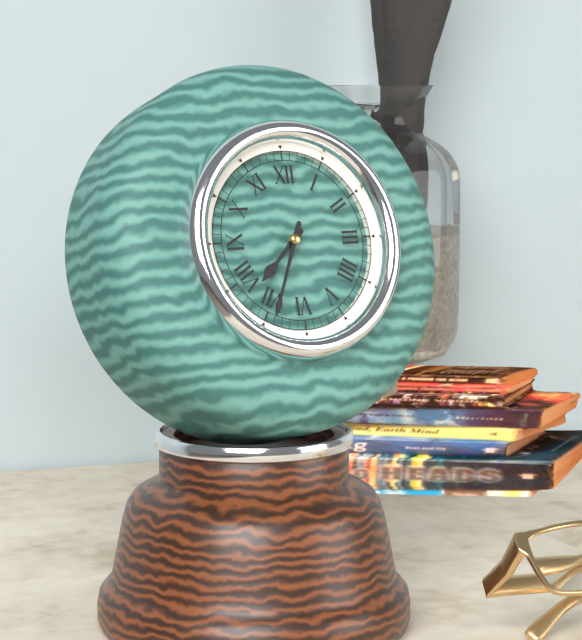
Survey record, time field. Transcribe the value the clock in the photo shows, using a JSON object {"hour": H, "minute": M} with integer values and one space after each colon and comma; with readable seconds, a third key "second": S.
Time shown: {"hour": 7, "minute": 34}
